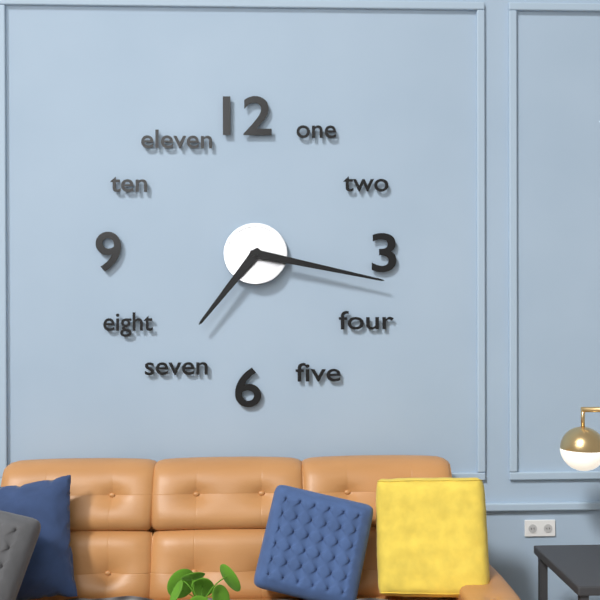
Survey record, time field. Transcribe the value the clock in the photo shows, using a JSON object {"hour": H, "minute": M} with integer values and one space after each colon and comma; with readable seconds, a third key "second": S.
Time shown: {"hour": 7, "minute": 17}
